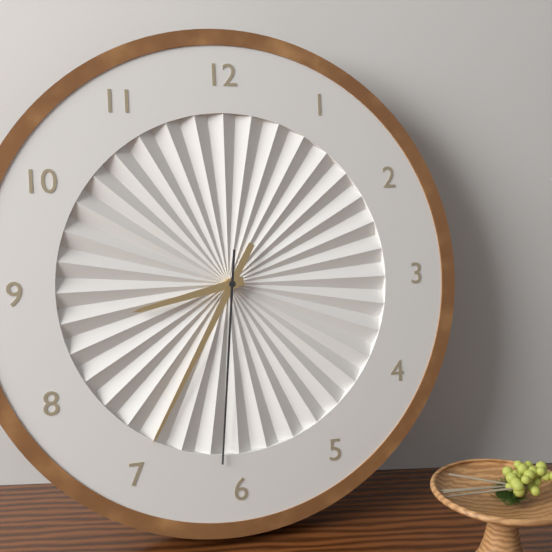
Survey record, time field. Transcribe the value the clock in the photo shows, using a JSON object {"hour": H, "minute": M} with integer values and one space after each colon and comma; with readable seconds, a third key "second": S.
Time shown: {"hour": 8, "minute": 35, "second": 31}
